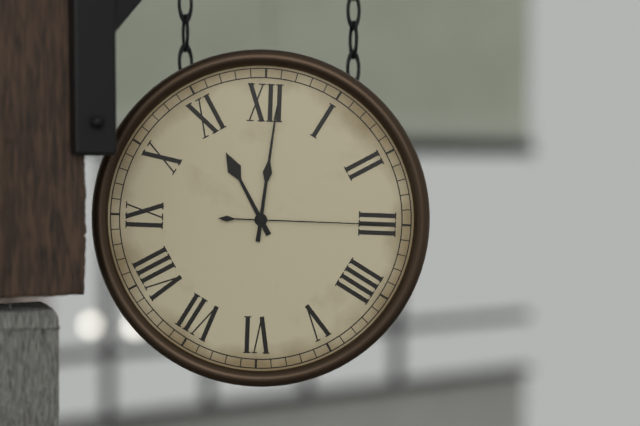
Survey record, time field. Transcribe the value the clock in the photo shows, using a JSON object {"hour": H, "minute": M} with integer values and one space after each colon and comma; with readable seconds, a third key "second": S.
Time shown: {"hour": 11, "minute": 1, "second": 15}
